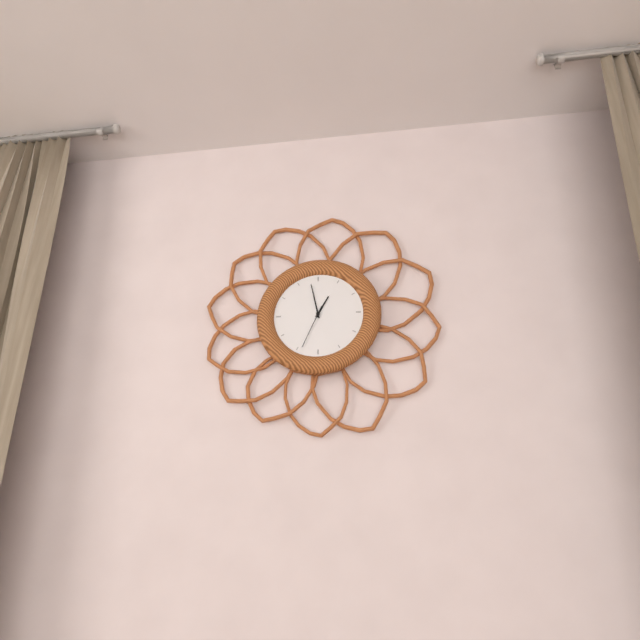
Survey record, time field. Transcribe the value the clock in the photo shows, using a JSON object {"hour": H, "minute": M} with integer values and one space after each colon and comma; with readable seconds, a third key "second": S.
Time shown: {"hour": 12, "minute": 58}
